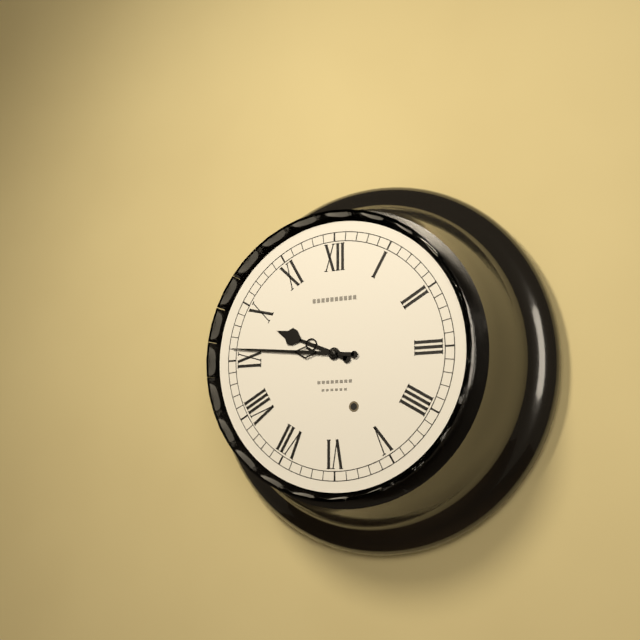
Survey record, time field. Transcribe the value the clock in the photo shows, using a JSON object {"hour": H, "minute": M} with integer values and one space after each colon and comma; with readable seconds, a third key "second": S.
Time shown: {"hour": 9, "minute": 46}
